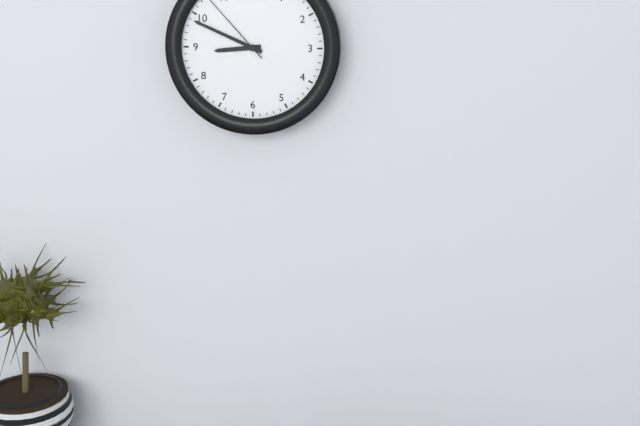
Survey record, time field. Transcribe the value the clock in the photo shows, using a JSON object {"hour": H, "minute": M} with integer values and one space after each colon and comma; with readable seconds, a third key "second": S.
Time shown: {"hour": 8, "minute": 49}
